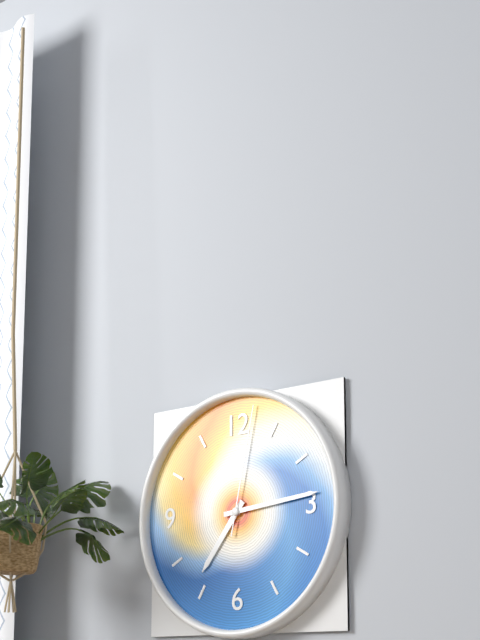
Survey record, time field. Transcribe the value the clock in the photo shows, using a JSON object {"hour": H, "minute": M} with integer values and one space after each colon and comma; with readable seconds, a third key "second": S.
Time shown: {"hour": 7, "minute": 14, "second": 2}
